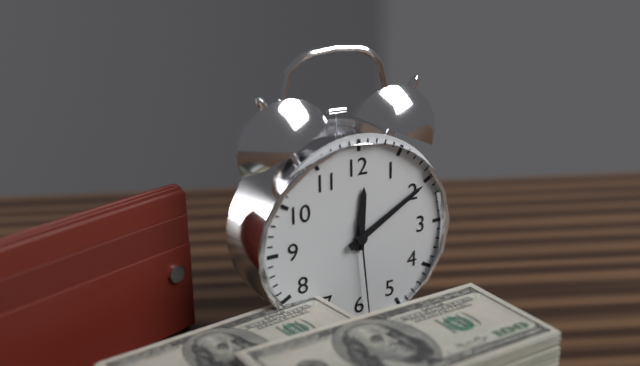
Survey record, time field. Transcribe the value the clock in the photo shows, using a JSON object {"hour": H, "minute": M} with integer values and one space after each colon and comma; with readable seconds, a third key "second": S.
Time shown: {"hour": 12, "minute": 10, "second": 29}
